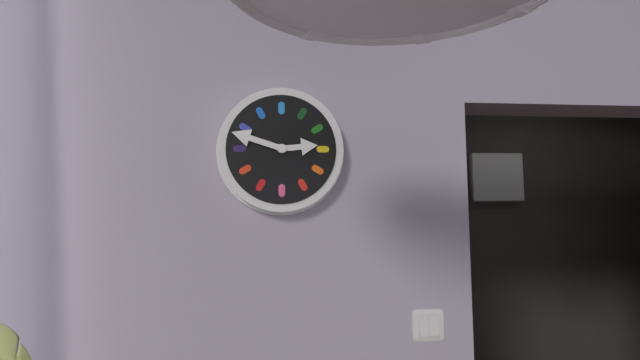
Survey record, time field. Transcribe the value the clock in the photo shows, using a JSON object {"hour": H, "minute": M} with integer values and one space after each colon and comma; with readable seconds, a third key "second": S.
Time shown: {"hour": 2, "minute": 48}
